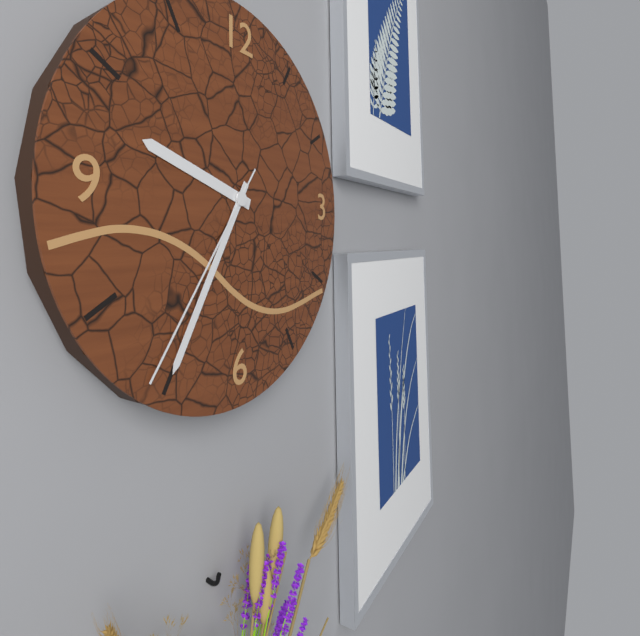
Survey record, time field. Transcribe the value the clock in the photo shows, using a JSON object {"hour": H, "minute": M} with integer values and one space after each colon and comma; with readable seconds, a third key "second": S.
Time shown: {"hour": 9, "minute": 35, "second": 36}
